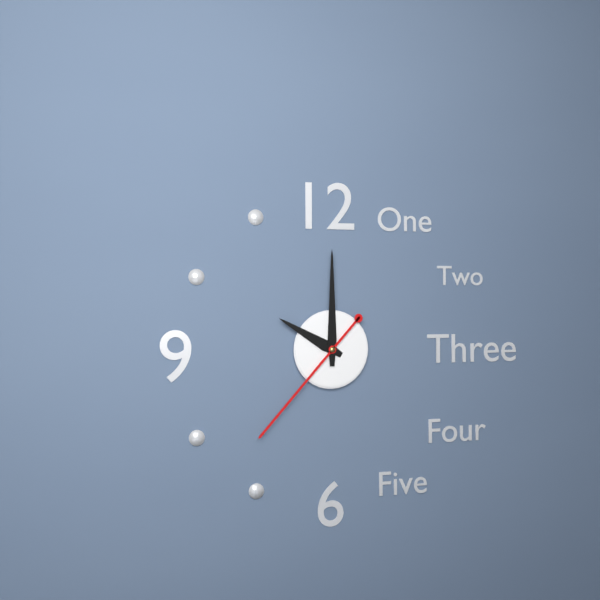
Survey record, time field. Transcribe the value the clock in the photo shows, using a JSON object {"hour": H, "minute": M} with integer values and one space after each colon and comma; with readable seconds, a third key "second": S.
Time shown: {"hour": 10, "minute": 0, "second": 37}
